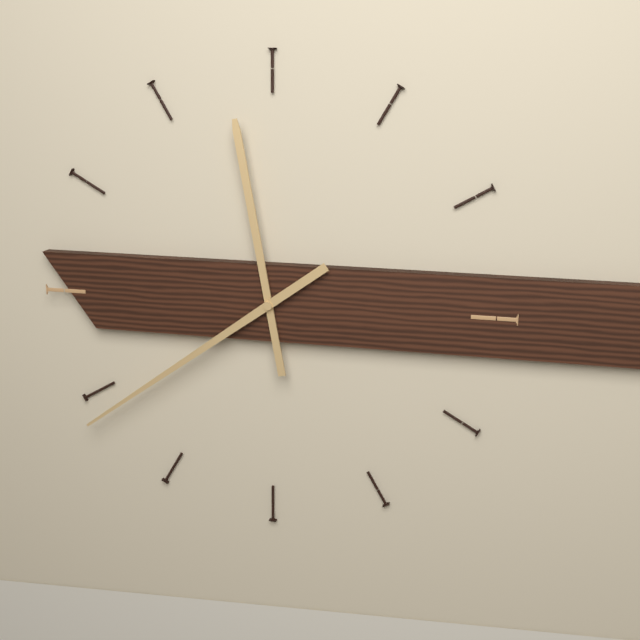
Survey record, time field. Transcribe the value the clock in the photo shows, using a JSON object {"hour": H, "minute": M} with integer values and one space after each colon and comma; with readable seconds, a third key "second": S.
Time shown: {"hour": 11, "minute": 39}
